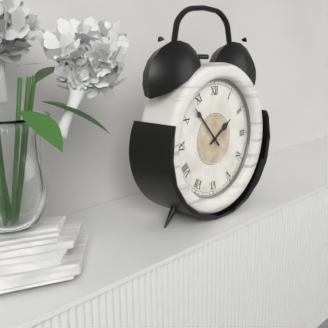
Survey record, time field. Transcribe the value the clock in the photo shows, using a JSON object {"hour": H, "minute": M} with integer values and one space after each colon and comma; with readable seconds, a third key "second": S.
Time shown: {"hour": 1, "minute": 53}
